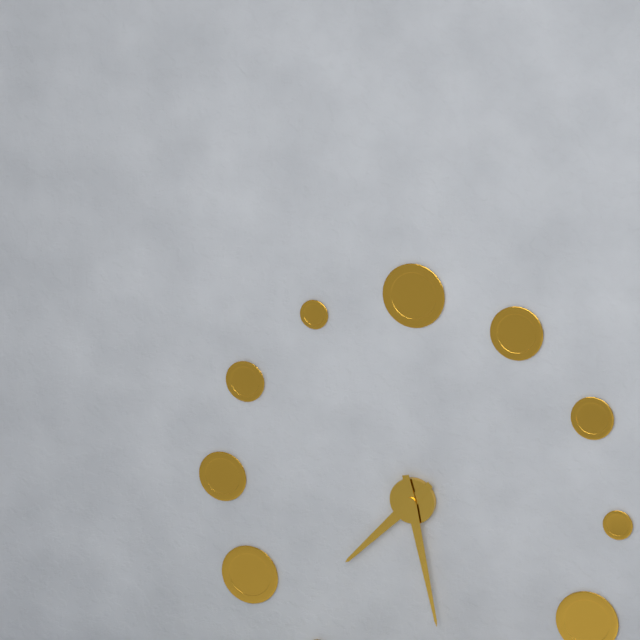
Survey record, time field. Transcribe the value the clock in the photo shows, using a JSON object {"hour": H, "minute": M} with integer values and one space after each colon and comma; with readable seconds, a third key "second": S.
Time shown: {"hour": 7, "minute": 28}
